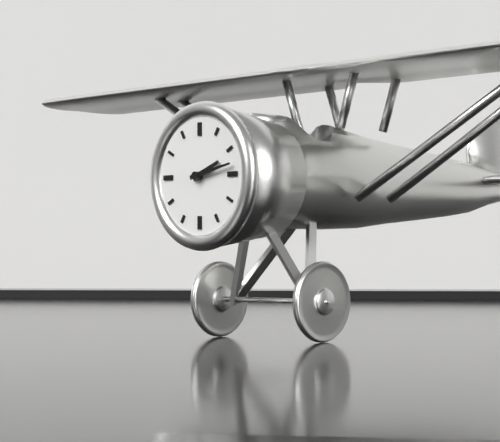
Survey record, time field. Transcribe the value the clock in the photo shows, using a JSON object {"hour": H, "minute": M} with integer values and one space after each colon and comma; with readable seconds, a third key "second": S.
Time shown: {"hour": 2, "minute": 13}
